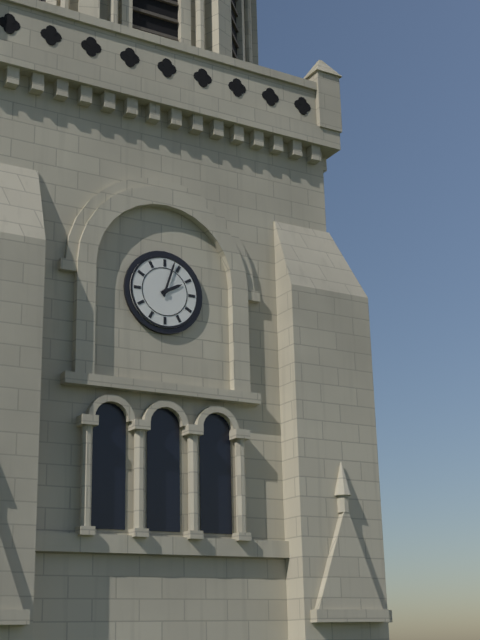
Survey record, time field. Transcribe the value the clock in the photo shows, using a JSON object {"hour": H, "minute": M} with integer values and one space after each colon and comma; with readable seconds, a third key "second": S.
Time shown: {"hour": 2, "minute": 3}
